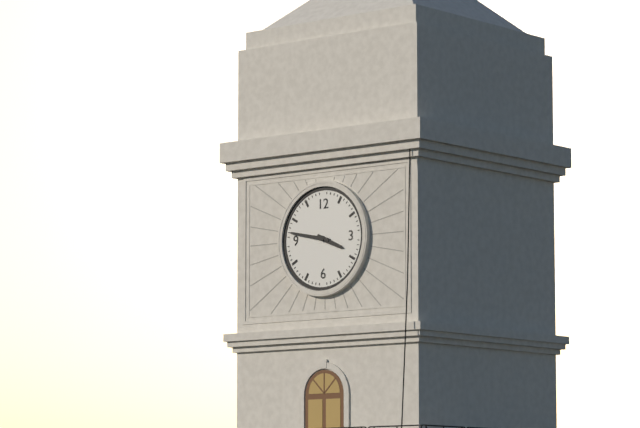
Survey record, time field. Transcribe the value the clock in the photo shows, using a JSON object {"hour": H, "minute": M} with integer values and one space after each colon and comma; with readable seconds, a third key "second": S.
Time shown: {"hour": 3, "minute": 47}
